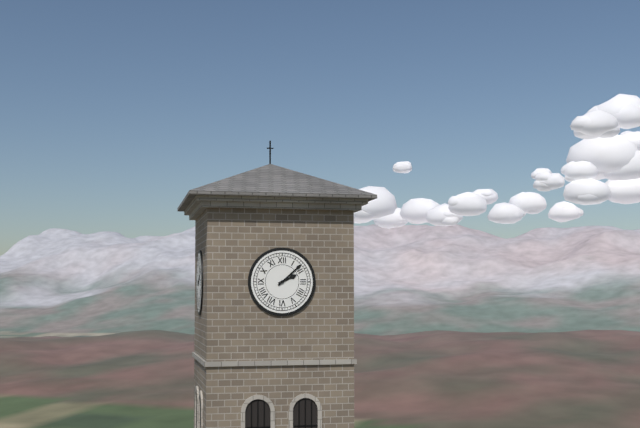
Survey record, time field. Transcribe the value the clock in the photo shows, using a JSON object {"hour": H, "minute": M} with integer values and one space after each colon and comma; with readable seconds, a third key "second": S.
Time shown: {"hour": 2, "minute": 8}
